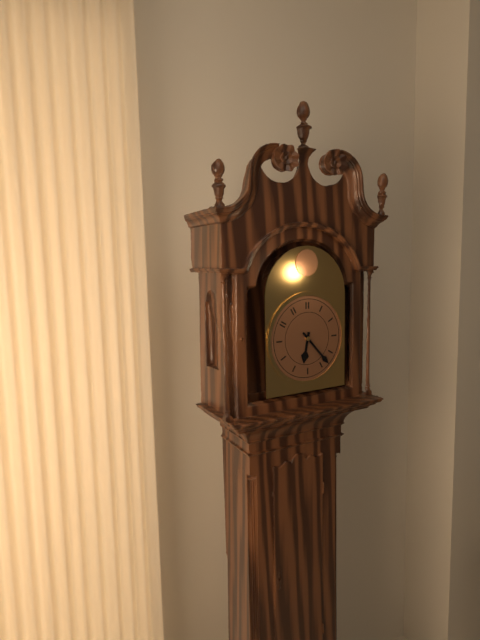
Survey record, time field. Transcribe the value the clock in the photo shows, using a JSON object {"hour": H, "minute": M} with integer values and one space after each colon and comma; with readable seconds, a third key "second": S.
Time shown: {"hour": 6, "minute": 23}
